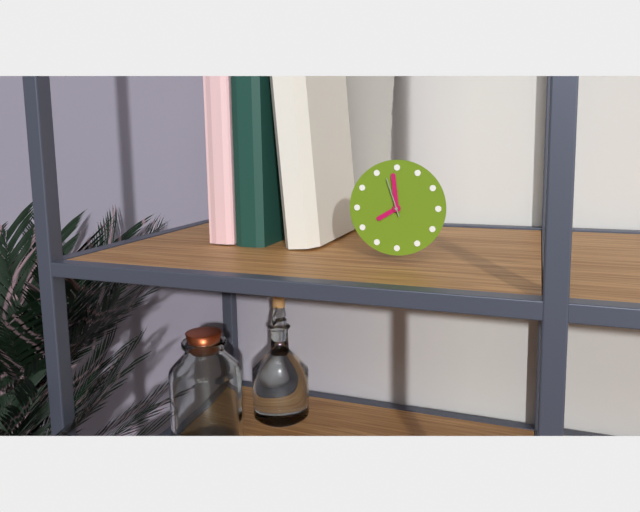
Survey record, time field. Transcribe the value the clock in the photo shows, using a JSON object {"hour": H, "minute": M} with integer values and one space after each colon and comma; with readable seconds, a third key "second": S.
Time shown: {"hour": 7, "minute": 59}
